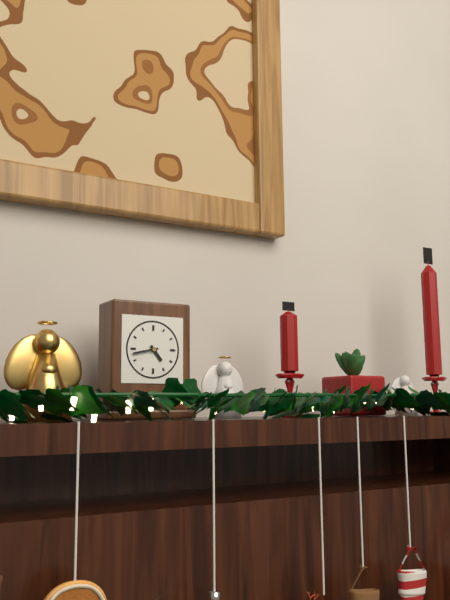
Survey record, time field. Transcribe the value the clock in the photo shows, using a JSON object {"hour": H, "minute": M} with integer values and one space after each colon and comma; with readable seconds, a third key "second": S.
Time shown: {"hour": 4, "minute": 43}
